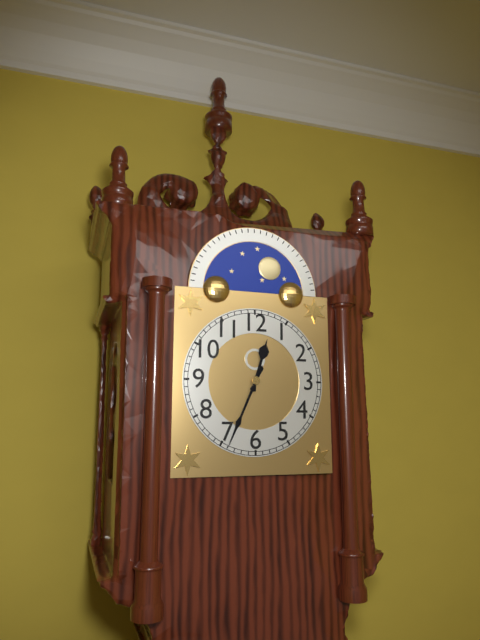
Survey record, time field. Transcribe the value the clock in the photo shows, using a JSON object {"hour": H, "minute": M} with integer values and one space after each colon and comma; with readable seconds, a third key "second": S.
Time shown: {"hour": 12, "minute": 34}
